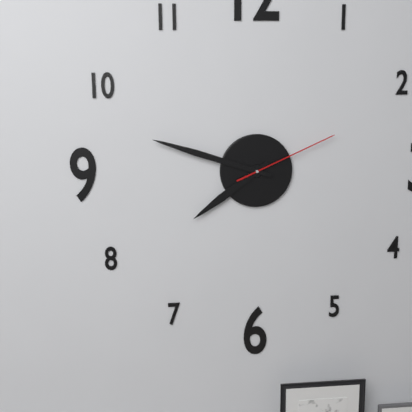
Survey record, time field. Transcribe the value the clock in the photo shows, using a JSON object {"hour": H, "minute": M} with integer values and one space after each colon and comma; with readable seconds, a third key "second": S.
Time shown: {"hour": 7, "minute": 48, "second": 11}
